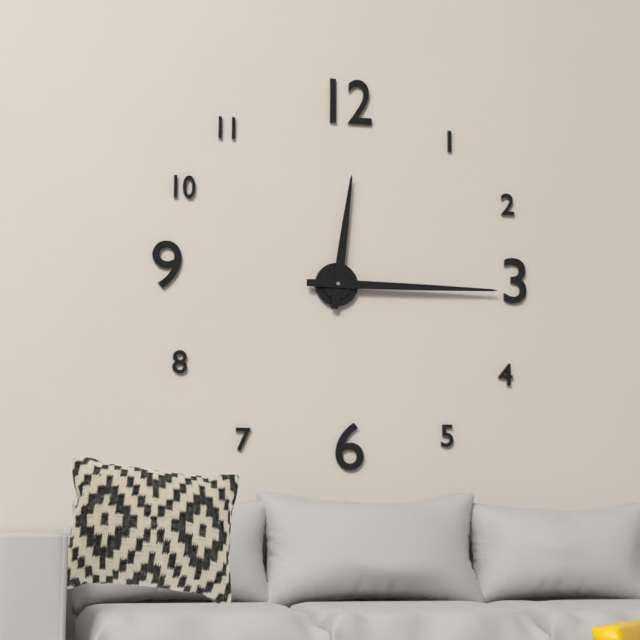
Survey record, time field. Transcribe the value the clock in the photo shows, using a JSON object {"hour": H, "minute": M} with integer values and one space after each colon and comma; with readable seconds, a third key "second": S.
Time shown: {"hour": 12, "minute": 15}
